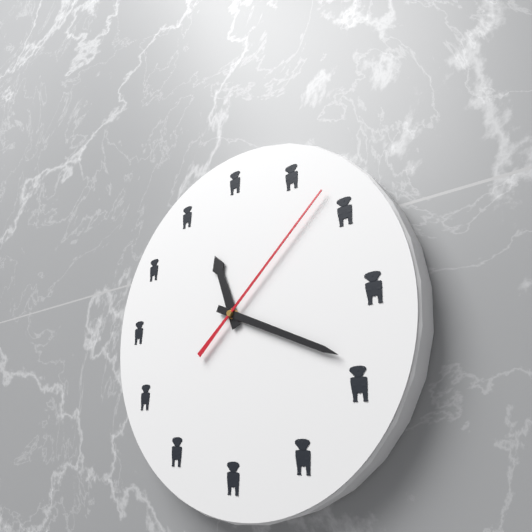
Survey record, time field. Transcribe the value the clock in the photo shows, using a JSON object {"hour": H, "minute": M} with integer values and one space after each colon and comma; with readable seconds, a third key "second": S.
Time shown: {"hour": 11, "minute": 19, "second": 8}
